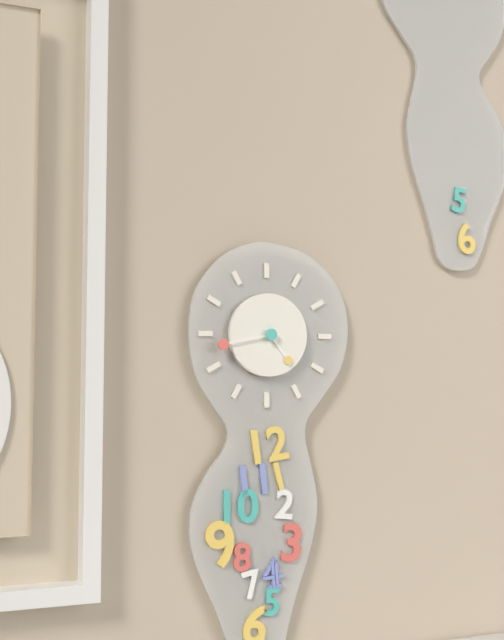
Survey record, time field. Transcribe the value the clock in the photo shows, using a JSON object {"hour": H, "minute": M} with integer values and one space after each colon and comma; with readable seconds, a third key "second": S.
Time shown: {"hour": 4, "minute": 43}
